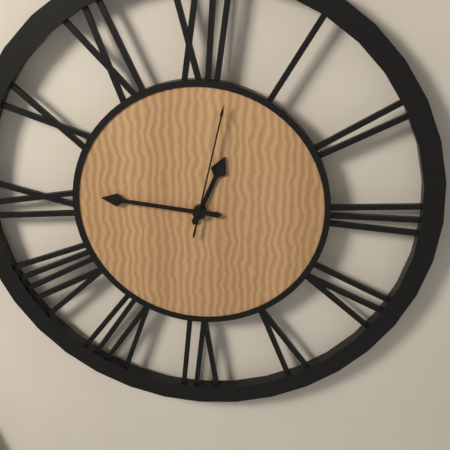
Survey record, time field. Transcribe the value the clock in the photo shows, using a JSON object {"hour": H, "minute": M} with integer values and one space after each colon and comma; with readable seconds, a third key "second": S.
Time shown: {"hour": 12, "minute": 46, "second": 2}
